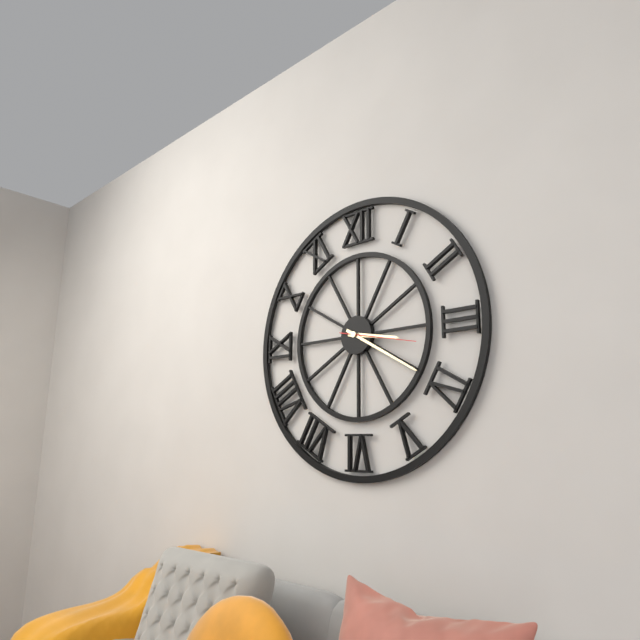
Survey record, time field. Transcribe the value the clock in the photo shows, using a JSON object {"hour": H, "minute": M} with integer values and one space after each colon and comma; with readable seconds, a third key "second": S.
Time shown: {"hour": 3, "minute": 20, "second": 17}
